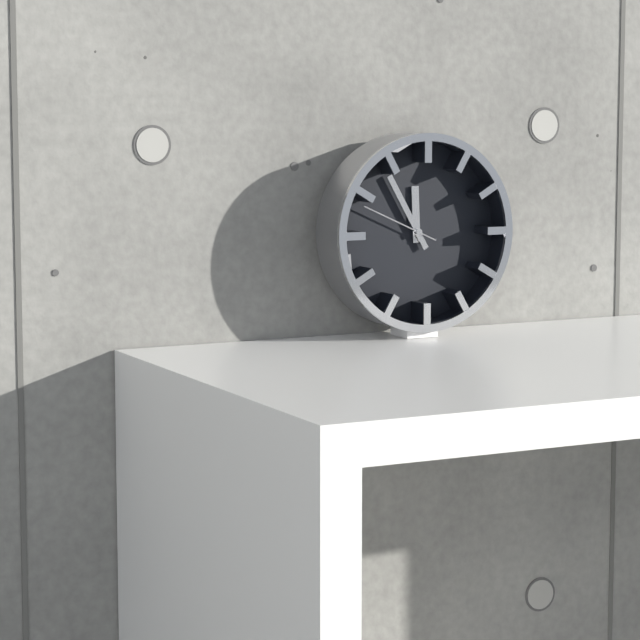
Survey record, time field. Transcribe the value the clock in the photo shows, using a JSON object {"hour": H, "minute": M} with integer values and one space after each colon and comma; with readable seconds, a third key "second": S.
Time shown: {"hour": 11, "minute": 55, "second": 49}
